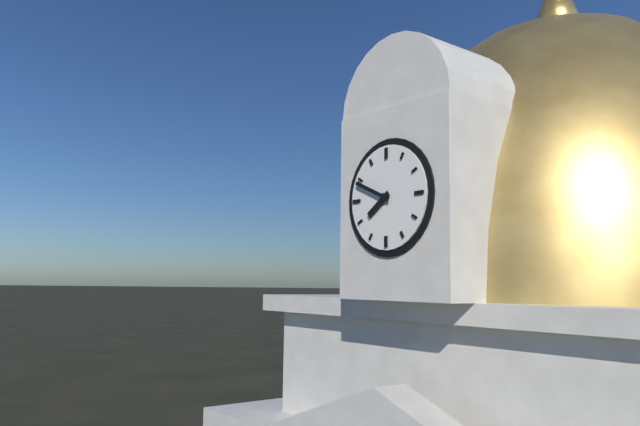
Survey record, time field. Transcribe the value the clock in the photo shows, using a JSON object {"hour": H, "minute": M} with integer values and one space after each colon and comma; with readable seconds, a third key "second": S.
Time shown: {"hour": 7, "minute": 49}
